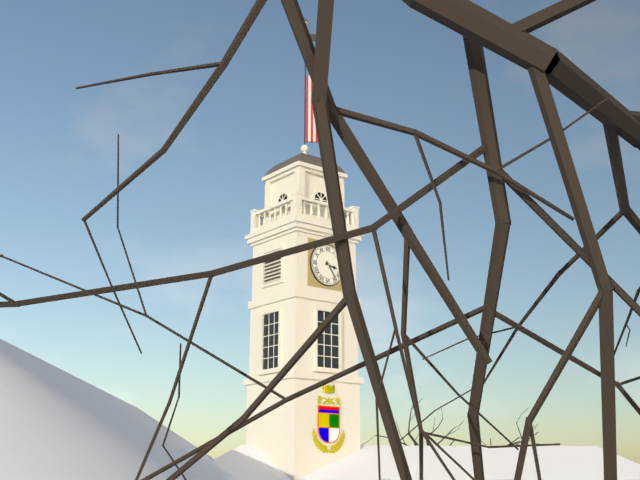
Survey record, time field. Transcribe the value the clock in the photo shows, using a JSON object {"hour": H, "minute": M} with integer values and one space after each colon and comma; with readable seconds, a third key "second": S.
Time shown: {"hour": 3, "minute": 24}
